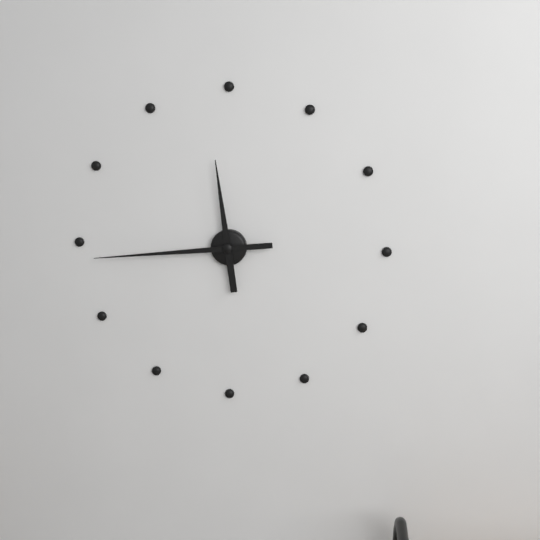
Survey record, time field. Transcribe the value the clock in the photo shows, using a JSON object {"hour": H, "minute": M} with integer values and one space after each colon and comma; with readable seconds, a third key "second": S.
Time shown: {"hour": 11, "minute": 44}
